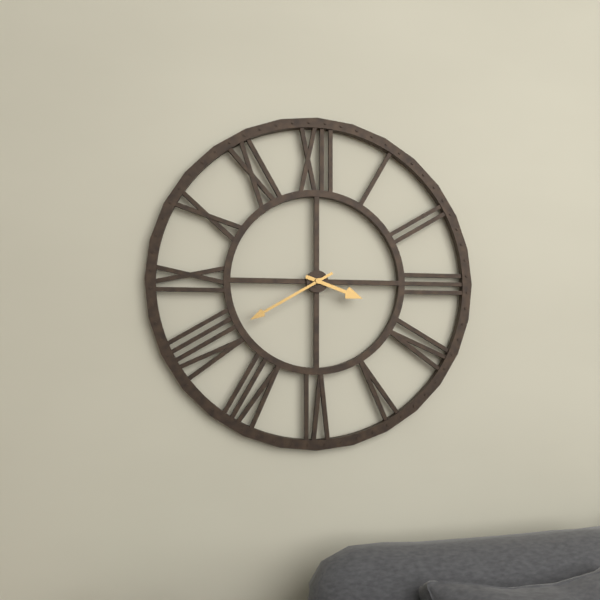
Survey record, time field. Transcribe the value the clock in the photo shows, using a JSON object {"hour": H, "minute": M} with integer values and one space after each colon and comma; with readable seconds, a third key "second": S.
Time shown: {"hour": 3, "minute": 40}
